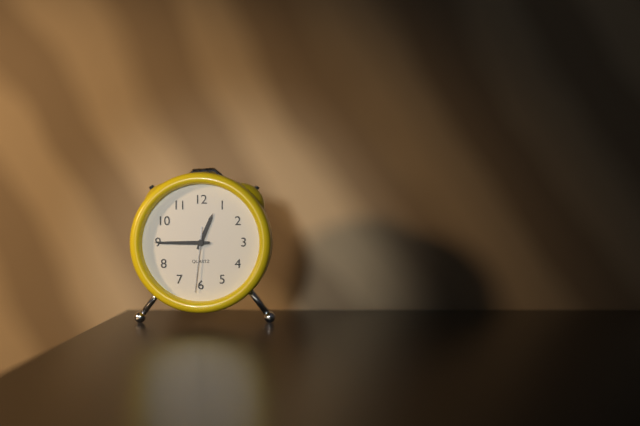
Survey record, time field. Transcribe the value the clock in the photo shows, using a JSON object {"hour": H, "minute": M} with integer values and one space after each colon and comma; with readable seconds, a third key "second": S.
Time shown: {"hour": 12, "minute": 45, "second": 31}
